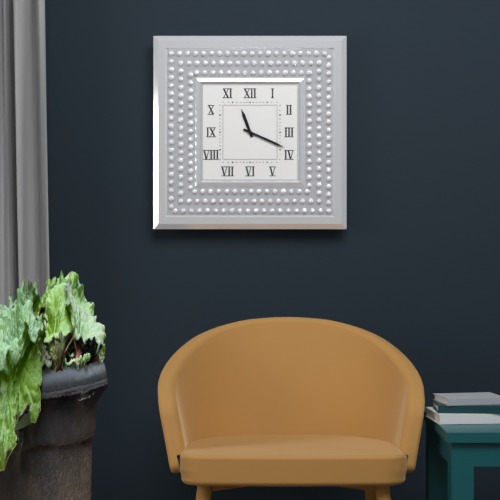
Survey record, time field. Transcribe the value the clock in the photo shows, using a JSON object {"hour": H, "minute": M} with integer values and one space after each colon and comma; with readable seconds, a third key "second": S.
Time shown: {"hour": 11, "minute": 19}
